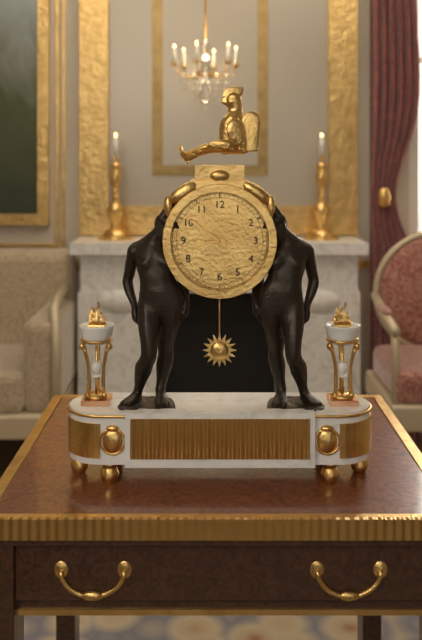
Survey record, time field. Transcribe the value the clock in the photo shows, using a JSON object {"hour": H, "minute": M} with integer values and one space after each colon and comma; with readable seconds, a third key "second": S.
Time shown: {"hour": 8, "minute": 51}
